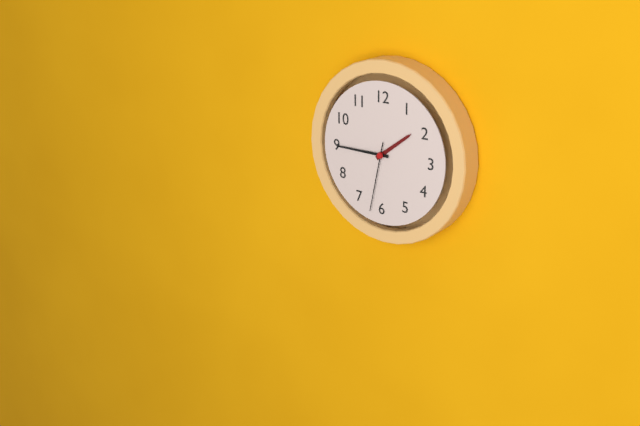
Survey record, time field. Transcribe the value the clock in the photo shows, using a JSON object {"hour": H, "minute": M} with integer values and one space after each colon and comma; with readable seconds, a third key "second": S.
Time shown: {"hour": 1, "minute": 45, "second": 32}
